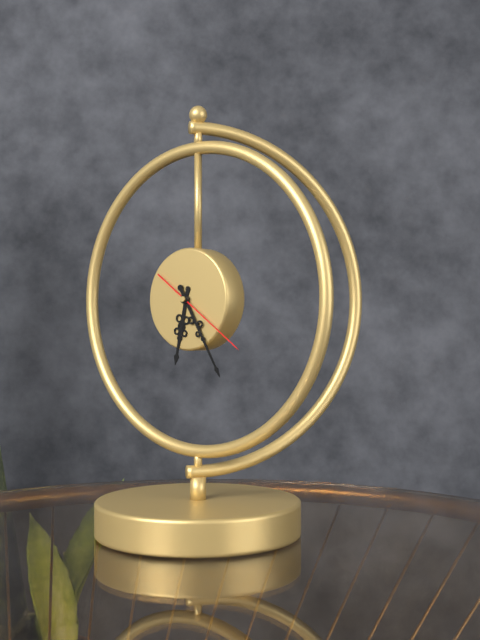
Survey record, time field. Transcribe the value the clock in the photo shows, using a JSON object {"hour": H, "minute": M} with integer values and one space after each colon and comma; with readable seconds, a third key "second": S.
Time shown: {"hour": 6, "minute": 25, "second": 21}
